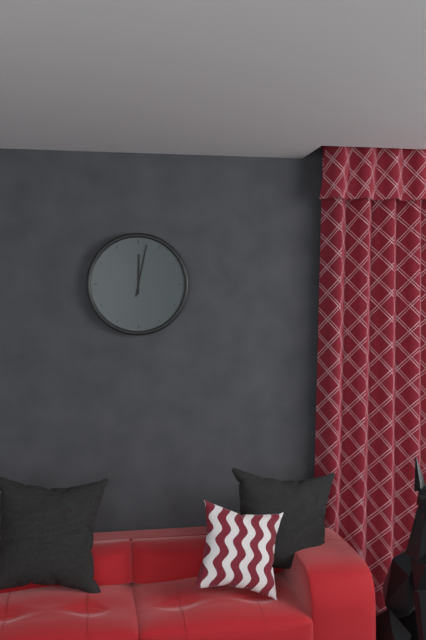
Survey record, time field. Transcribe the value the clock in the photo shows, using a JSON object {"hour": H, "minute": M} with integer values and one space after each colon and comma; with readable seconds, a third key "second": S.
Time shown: {"hour": 12, "minute": 2}
